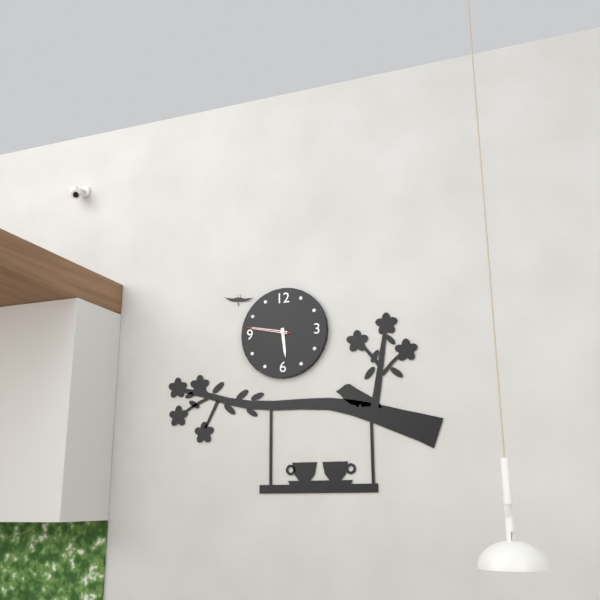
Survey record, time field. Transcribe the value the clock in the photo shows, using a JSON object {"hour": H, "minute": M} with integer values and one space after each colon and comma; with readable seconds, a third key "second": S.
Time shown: {"hour": 5, "minute": 47}
